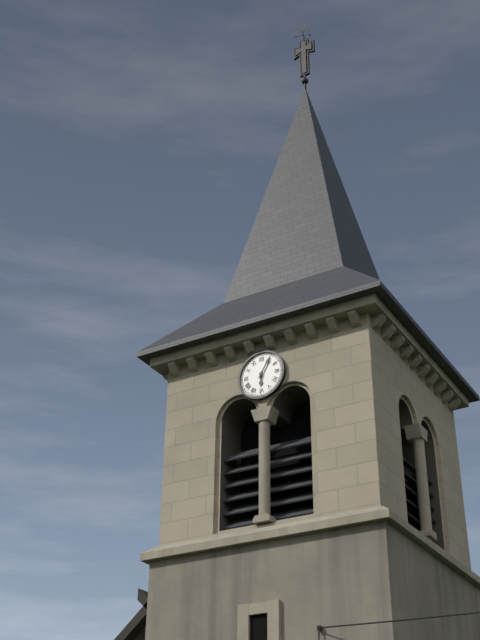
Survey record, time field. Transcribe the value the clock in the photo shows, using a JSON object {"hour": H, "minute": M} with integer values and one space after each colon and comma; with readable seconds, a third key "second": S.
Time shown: {"hour": 6, "minute": 5}
